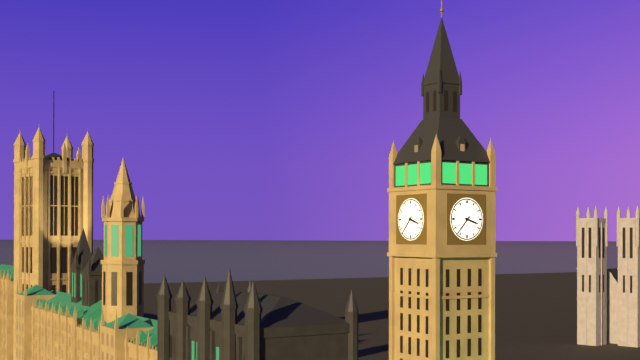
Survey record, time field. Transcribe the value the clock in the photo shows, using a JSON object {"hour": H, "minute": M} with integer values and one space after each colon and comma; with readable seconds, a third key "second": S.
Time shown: {"hour": 3, "minute": 37}
